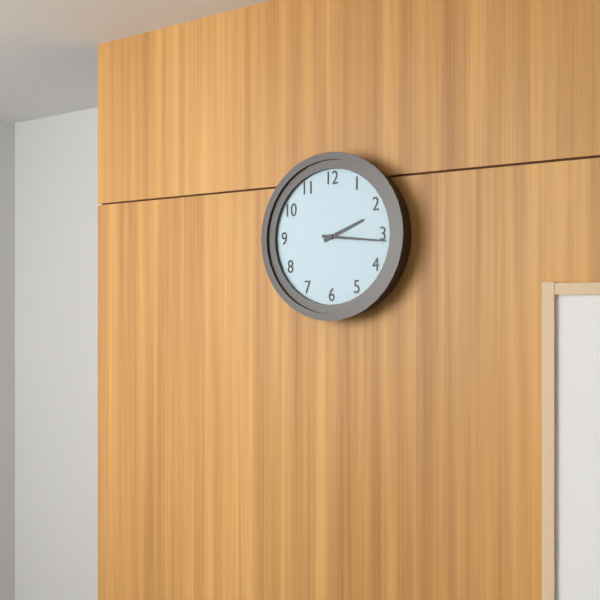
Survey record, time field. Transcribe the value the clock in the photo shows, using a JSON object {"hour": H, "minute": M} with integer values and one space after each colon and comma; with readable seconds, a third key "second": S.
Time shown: {"hour": 2, "minute": 16}
